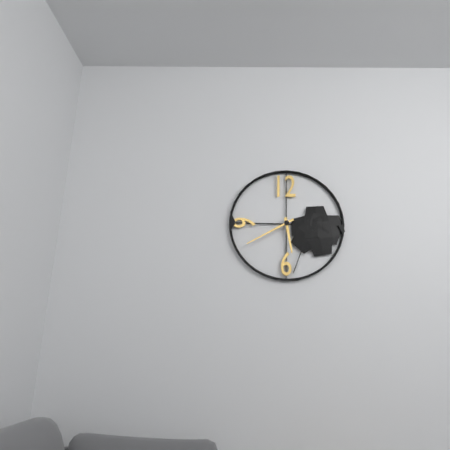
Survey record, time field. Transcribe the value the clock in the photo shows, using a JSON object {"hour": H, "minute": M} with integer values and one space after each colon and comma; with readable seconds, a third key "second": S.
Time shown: {"hour": 5, "minute": 40}
